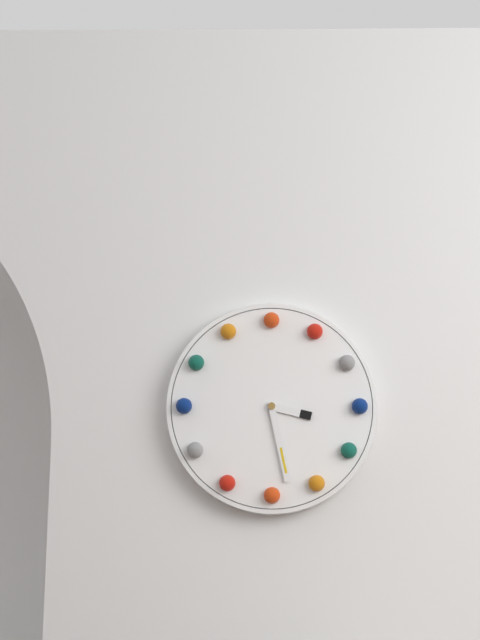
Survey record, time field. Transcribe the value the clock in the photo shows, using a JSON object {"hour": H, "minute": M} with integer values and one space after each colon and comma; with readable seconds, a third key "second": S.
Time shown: {"hour": 3, "minute": 28}
